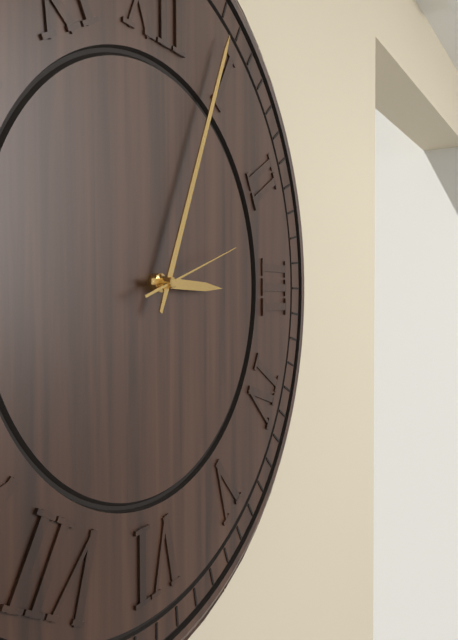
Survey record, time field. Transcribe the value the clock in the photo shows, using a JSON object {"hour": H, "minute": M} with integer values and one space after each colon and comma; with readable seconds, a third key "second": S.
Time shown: {"hour": 3, "minute": 4, "second": 12}
